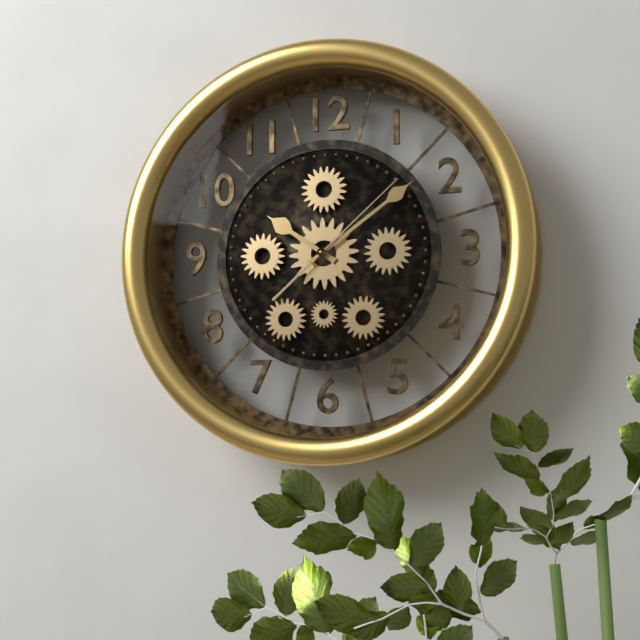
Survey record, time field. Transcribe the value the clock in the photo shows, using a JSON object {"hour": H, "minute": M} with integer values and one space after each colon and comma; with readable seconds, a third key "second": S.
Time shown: {"hour": 10, "minute": 9, "second": 8}
